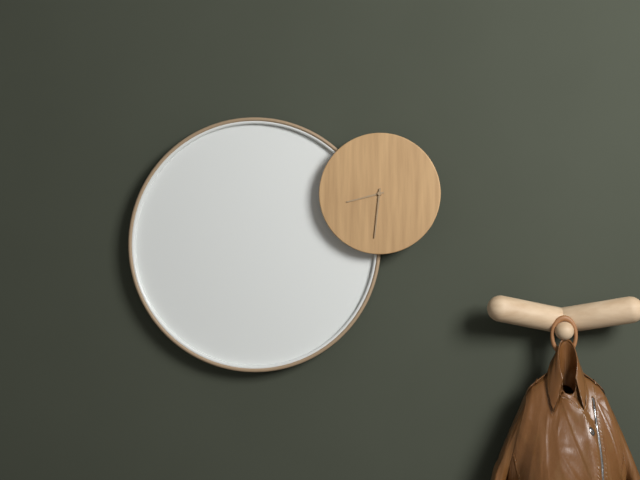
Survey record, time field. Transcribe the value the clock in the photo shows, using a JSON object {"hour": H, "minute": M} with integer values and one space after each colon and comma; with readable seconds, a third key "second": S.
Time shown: {"hour": 8, "minute": 31}
